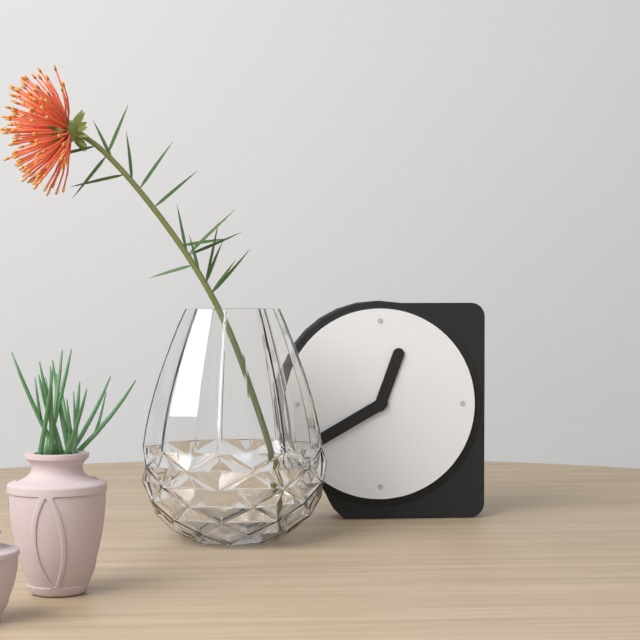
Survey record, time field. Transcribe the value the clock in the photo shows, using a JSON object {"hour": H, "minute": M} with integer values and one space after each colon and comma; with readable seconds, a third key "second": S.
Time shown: {"hour": 12, "minute": 40}
